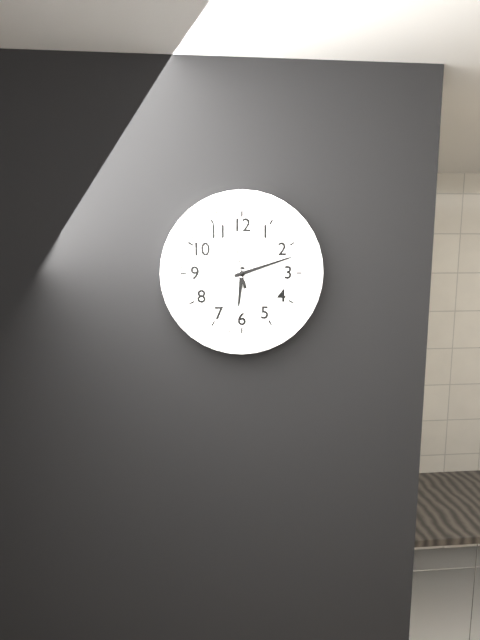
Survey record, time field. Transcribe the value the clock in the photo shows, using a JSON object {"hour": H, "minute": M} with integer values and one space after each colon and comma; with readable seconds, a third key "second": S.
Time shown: {"hour": 6, "minute": 12, "second": 58}
